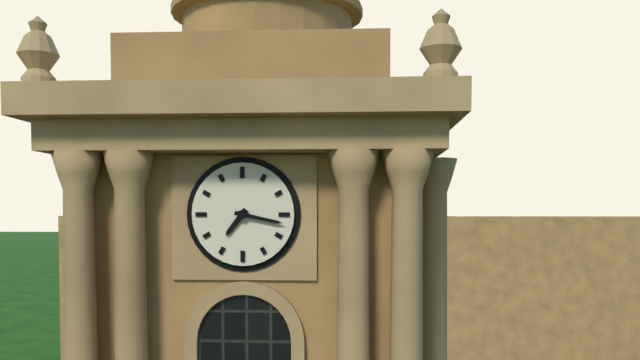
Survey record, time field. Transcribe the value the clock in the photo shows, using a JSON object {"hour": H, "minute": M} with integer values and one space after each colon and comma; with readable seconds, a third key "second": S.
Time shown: {"hour": 7, "minute": 17}
